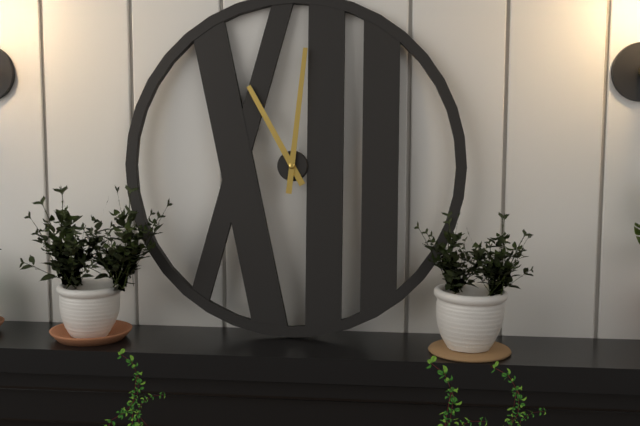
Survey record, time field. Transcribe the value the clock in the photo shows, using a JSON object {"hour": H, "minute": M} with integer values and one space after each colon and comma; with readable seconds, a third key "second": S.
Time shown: {"hour": 11, "minute": 1}
